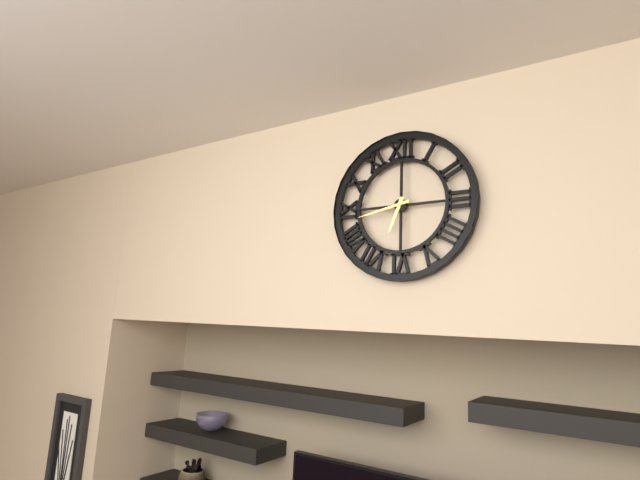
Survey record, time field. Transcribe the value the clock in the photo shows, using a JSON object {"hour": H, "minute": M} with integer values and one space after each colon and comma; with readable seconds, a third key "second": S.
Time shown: {"hour": 6, "minute": 43}
